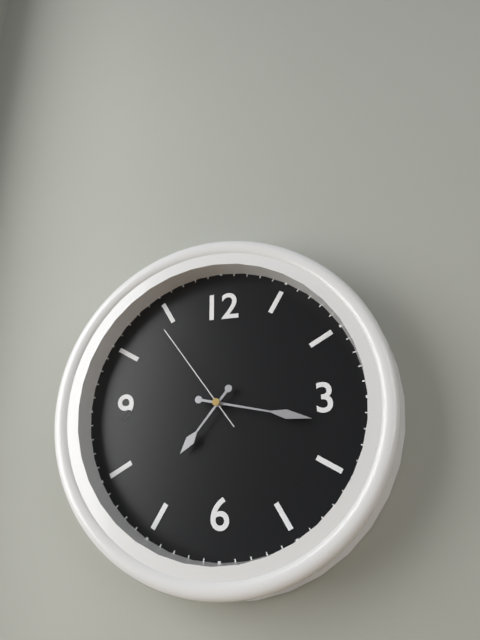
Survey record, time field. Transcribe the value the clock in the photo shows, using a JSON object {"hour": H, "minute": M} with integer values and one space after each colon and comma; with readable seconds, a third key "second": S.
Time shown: {"hour": 7, "minute": 17, "second": 54}
